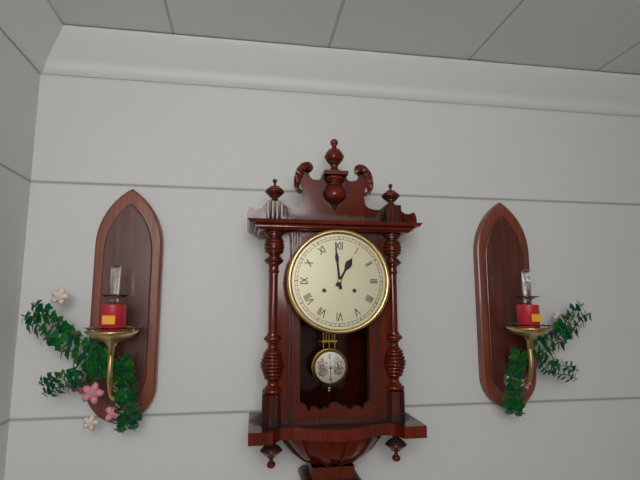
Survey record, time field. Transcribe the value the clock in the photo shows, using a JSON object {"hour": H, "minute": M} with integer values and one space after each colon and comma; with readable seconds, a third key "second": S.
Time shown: {"hour": 12, "minute": 59}
